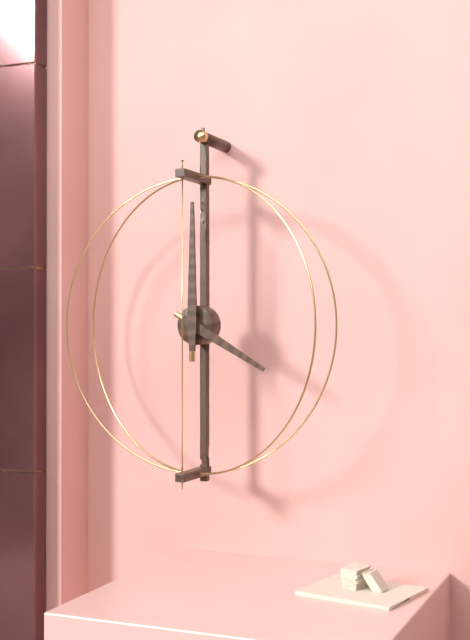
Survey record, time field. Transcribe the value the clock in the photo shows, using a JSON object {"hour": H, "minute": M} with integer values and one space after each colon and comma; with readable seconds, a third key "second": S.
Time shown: {"hour": 4, "minute": 0}
